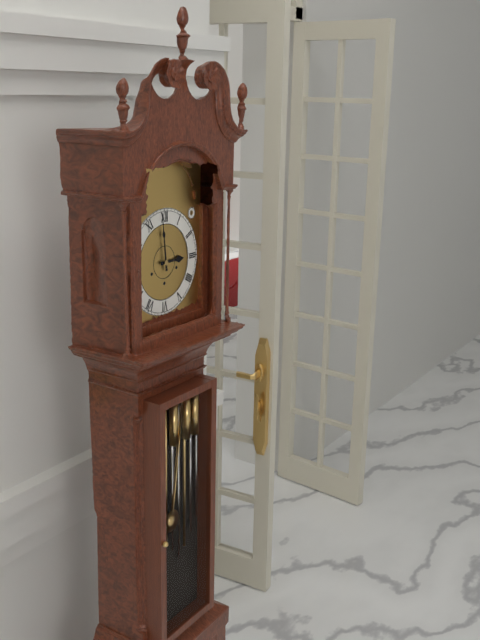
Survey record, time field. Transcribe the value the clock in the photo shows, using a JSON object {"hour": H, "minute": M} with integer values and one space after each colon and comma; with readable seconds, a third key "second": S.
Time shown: {"hour": 2, "minute": 59}
